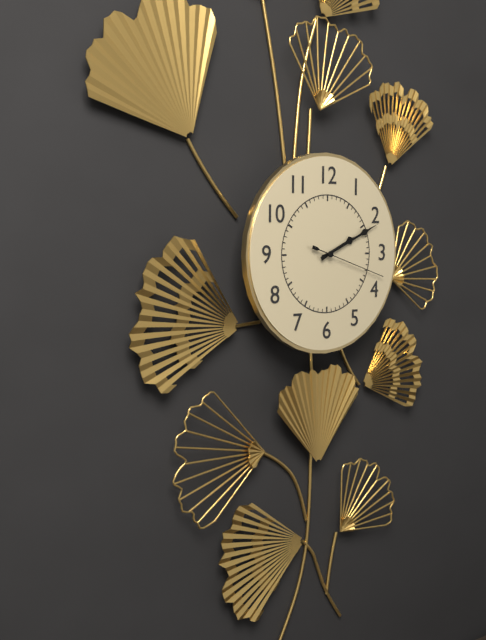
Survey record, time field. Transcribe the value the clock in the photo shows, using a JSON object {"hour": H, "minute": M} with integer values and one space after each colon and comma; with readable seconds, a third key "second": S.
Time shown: {"hour": 2, "minute": 11, "second": 18}
